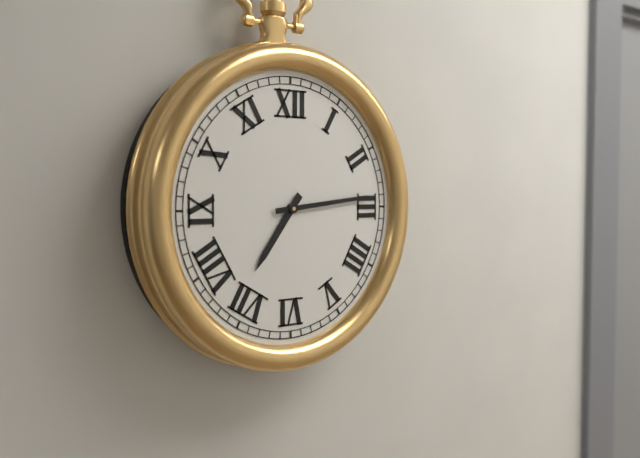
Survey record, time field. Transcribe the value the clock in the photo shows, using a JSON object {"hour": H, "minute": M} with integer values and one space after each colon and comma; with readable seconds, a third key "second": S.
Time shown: {"hour": 7, "minute": 14}
